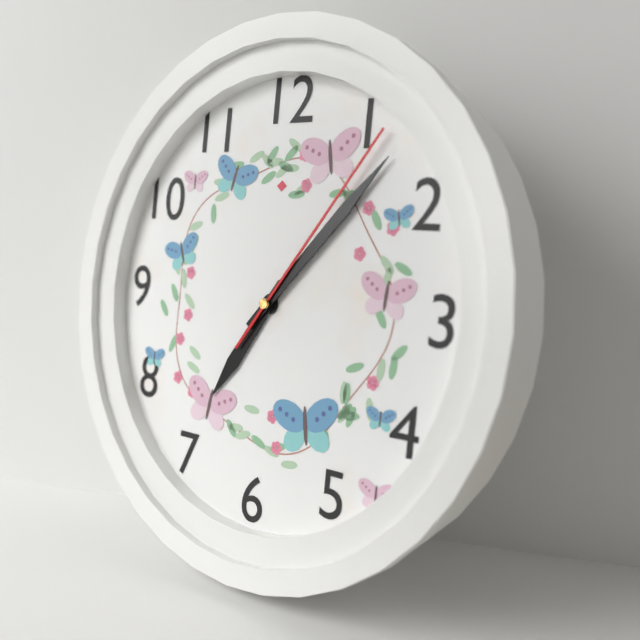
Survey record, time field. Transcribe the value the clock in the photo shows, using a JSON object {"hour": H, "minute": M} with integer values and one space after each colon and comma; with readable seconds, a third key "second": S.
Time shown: {"hour": 7, "minute": 7, "second": 6}
